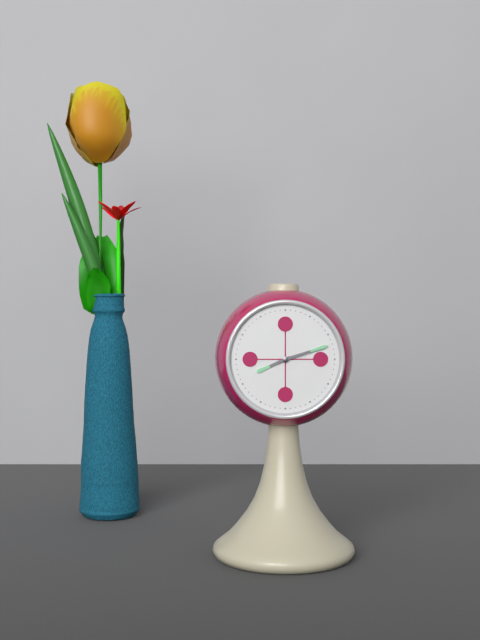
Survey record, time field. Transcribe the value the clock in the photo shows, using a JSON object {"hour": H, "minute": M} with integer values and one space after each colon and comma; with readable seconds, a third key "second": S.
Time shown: {"hour": 8, "minute": 12}
